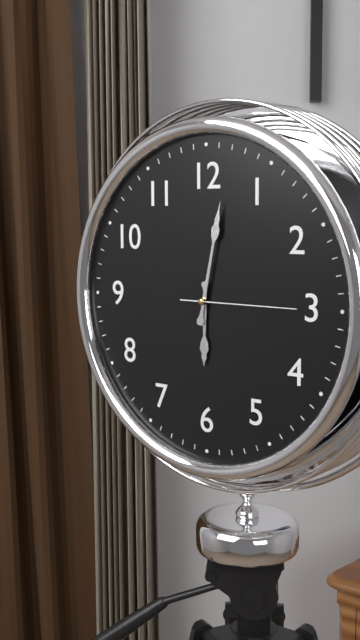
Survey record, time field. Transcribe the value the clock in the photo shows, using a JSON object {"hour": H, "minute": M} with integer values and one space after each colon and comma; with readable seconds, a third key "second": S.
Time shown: {"hour": 6, "minute": 2, "second": 15}
